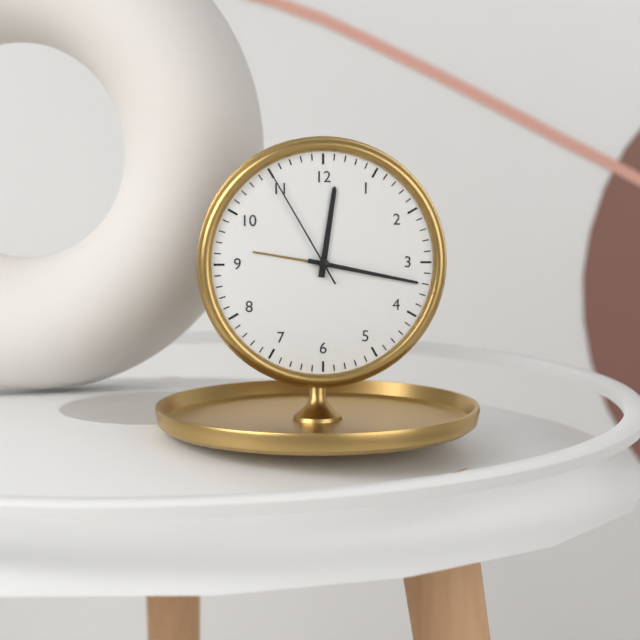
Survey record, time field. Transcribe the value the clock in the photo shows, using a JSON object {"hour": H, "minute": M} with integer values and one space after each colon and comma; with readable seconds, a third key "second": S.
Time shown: {"hour": 12, "minute": 17, "second": 55}
